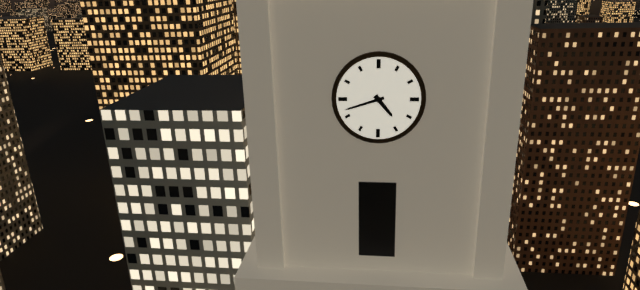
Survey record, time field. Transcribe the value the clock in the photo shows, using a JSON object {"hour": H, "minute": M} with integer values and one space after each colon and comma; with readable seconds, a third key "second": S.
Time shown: {"hour": 4, "minute": 42}
